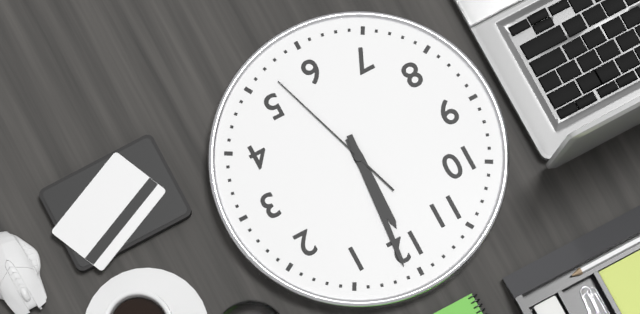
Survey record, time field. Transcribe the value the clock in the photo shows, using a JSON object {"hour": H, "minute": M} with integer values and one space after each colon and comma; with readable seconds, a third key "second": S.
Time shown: {"hour": 12, "minute": 1, "second": 27}
